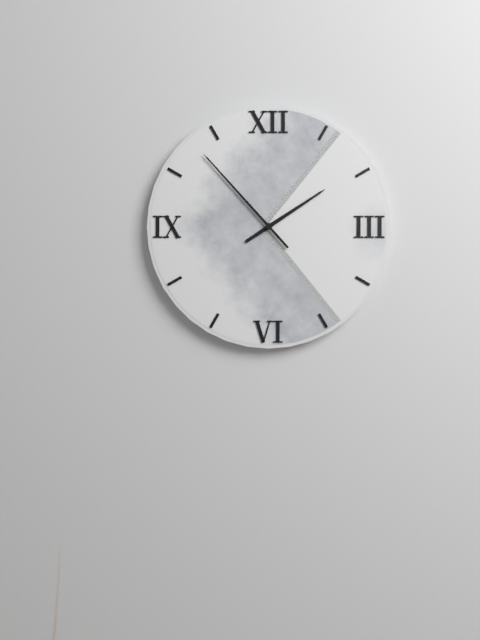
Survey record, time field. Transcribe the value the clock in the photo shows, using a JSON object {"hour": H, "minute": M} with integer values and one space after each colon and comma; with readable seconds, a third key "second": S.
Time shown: {"hour": 1, "minute": 53}
